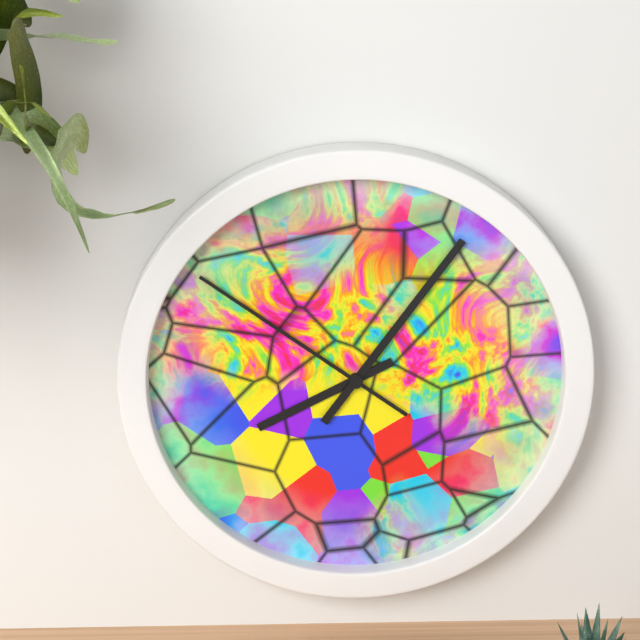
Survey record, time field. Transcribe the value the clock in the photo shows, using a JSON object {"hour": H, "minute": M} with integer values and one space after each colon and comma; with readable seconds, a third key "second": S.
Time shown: {"hour": 8, "minute": 6, "second": 51}
